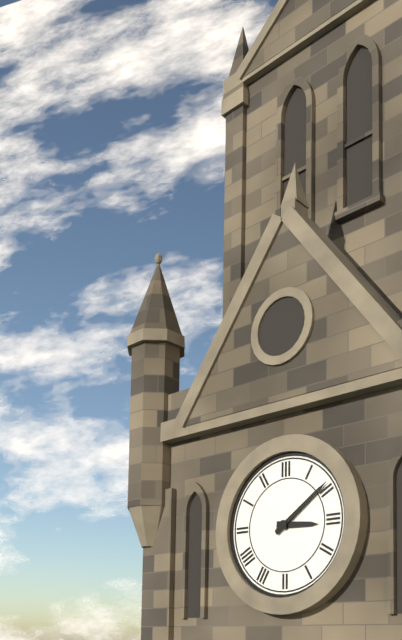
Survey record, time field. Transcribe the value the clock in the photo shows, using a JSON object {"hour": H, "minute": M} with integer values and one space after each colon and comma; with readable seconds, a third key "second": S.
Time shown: {"hour": 3, "minute": 9}
